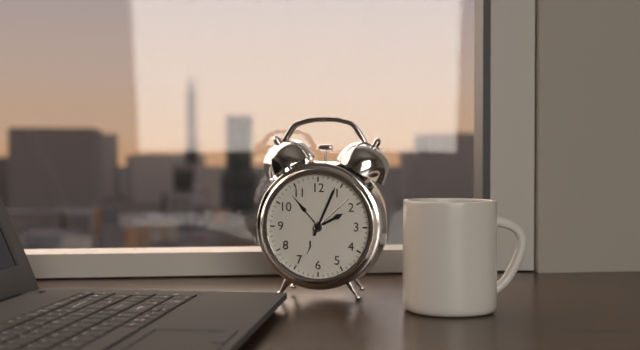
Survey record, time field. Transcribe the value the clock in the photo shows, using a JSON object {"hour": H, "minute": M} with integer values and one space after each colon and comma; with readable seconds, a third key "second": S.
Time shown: {"hour": 2, "minute": 4}
